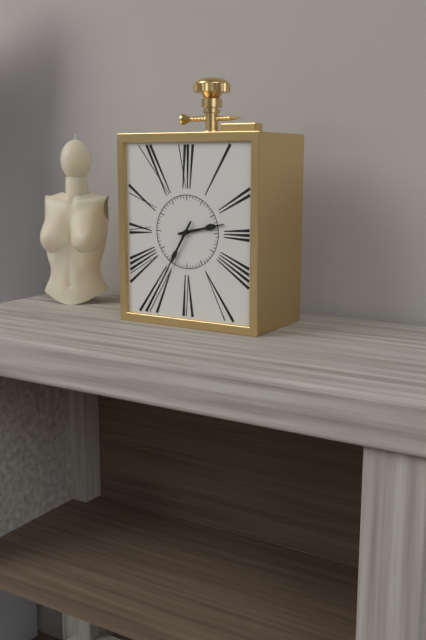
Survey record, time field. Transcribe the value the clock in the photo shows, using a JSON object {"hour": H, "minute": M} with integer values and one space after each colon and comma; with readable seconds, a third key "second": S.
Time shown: {"hour": 2, "minute": 35}
